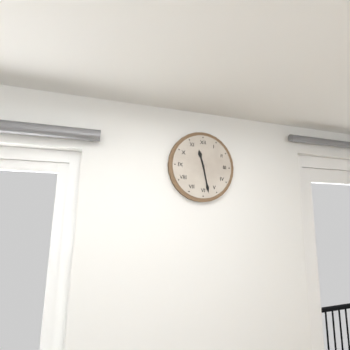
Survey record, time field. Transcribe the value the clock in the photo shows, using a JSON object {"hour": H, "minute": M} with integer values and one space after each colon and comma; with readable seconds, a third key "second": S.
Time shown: {"hour": 11, "minute": 28}
